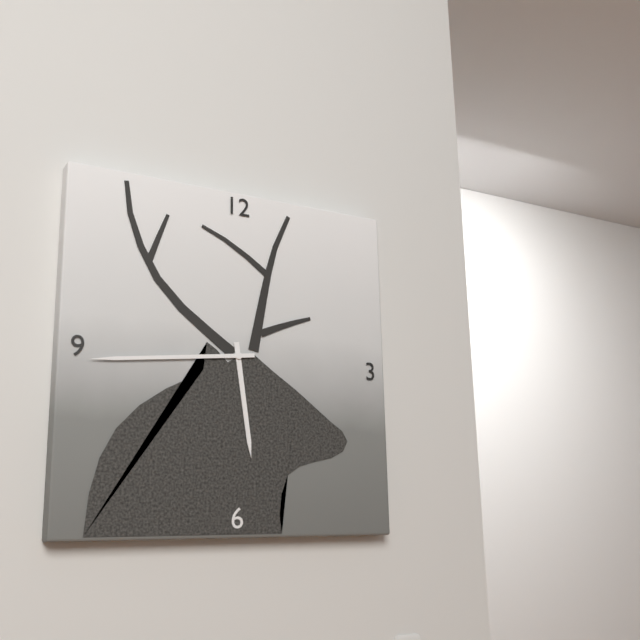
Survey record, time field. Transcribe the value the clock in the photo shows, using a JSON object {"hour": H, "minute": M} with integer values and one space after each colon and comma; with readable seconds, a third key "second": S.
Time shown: {"hour": 5, "minute": 44}
